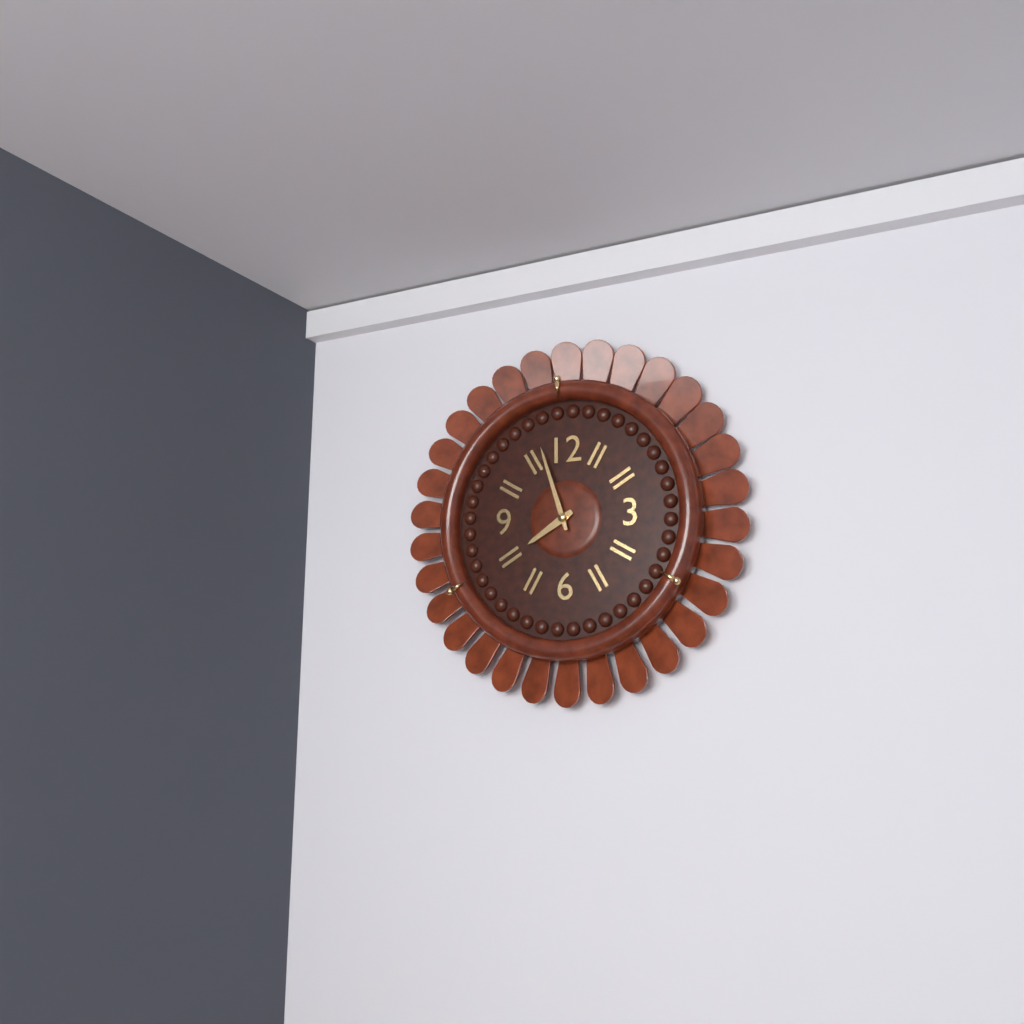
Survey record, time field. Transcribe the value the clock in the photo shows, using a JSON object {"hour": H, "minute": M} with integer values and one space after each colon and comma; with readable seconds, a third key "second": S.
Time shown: {"hour": 7, "minute": 57}
